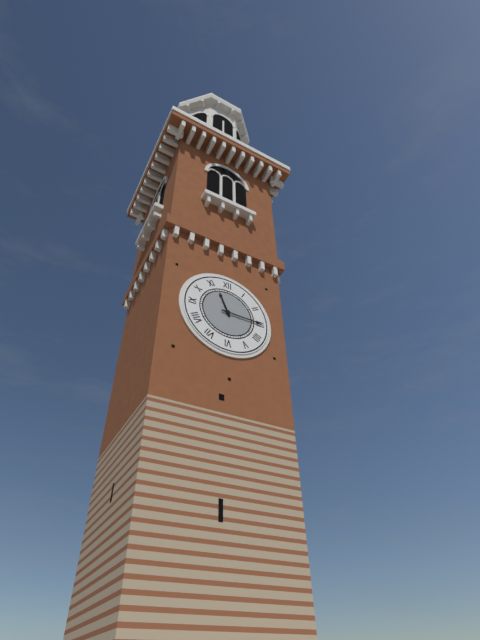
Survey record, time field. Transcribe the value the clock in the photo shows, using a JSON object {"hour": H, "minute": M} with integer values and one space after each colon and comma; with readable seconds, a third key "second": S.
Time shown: {"hour": 11, "minute": 15}
